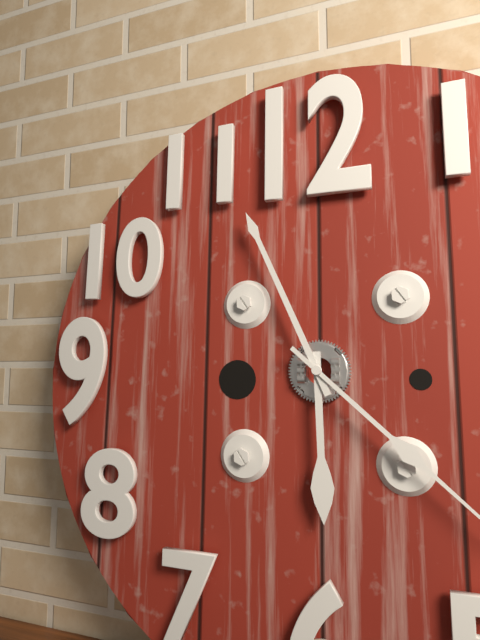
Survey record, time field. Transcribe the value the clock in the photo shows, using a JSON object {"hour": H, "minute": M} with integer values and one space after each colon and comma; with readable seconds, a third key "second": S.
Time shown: {"hour": 5, "minute": 56}
